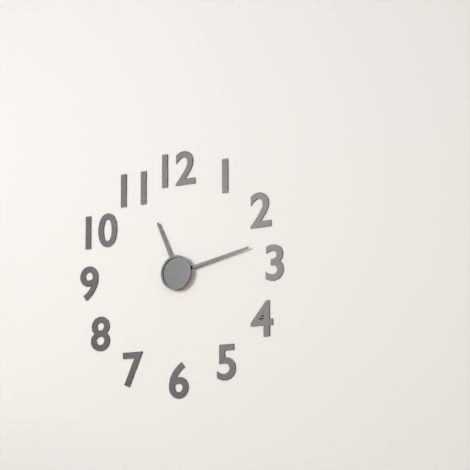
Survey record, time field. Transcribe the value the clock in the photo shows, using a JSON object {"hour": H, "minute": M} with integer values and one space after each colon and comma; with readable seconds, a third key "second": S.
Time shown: {"hour": 11, "minute": 13}
